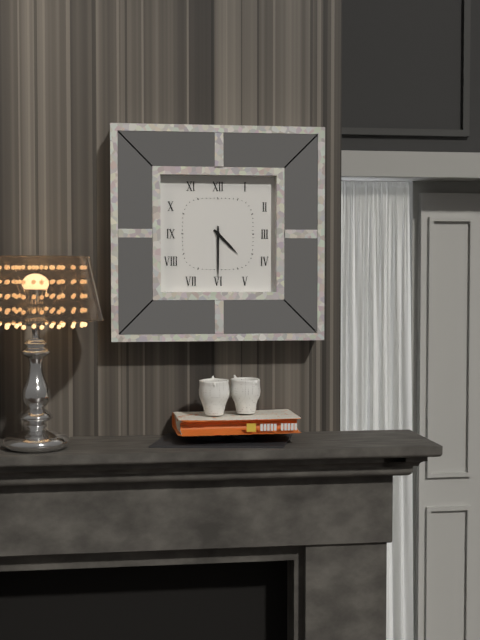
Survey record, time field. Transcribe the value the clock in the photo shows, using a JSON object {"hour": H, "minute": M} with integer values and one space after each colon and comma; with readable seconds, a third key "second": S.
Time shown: {"hour": 4, "minute": 30}
